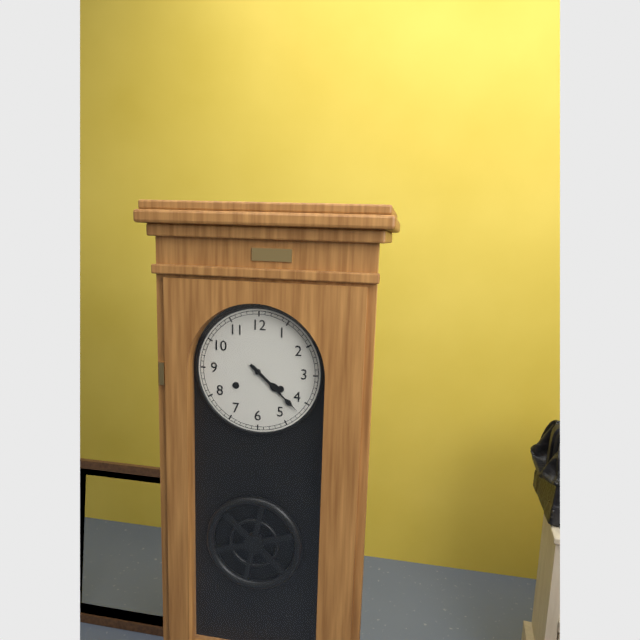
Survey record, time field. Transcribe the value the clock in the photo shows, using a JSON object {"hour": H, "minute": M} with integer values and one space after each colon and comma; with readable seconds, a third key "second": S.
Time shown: {"hour": 4, "minute": 22}
